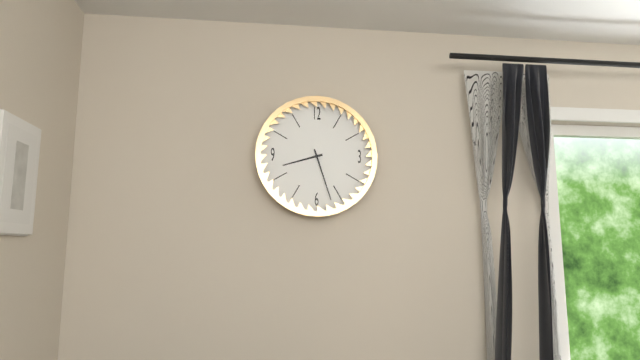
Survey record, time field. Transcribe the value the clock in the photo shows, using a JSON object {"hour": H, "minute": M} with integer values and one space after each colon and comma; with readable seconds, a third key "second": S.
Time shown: {"hour": 8, "minute": 27}
